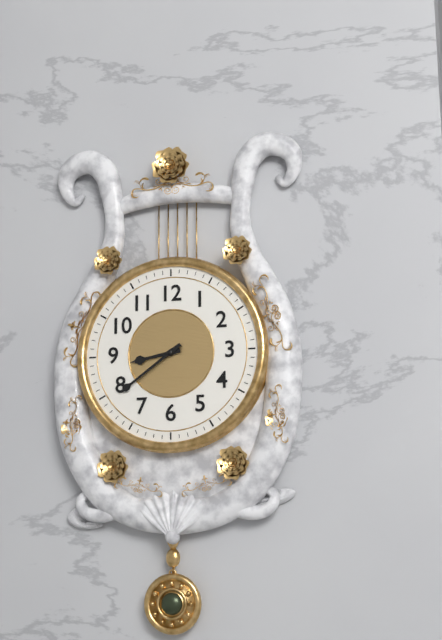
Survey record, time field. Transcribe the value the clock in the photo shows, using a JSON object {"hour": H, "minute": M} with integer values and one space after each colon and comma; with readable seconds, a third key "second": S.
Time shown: {"hour": 8, "minute": 39}
